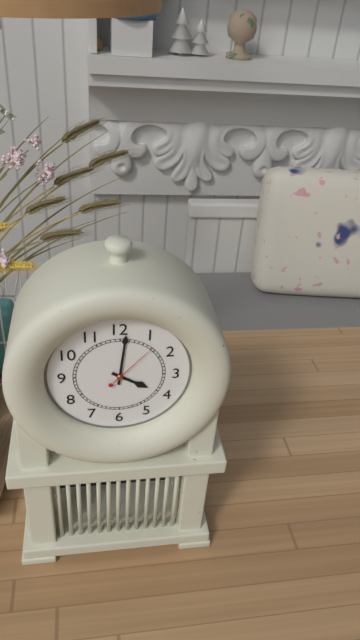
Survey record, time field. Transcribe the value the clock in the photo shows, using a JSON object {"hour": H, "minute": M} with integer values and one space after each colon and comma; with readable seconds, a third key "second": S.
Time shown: {"hour": 4, "minute": 1, "second": 7}
